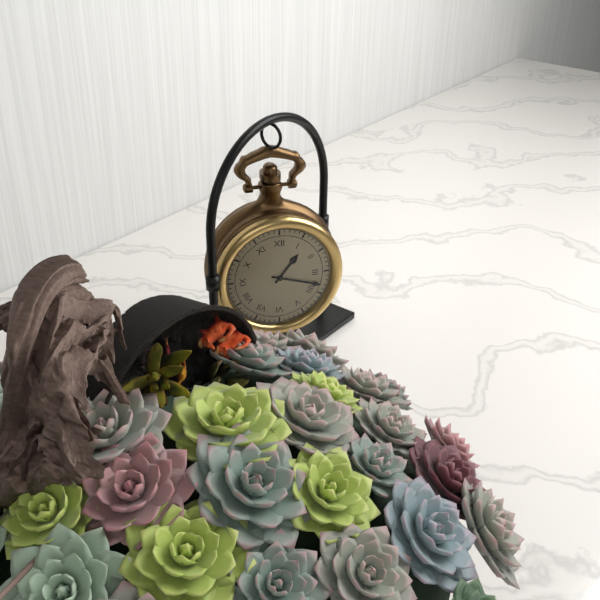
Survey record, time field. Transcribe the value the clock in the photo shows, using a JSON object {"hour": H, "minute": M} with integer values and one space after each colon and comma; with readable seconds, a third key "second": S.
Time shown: {"hour": 1, "minute": 18}
